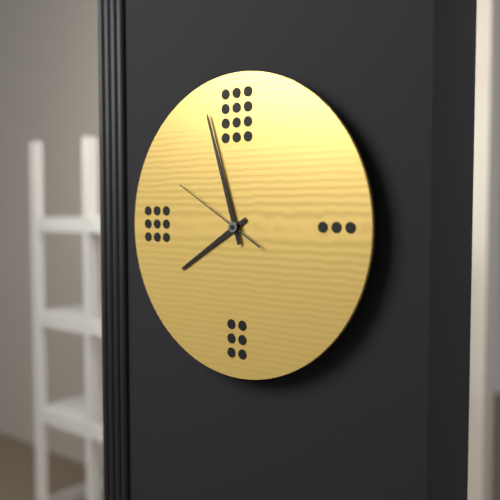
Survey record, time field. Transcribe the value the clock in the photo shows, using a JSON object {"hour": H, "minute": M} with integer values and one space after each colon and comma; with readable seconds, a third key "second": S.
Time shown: {"hour": 7, "minute": 57, "second": 50}
